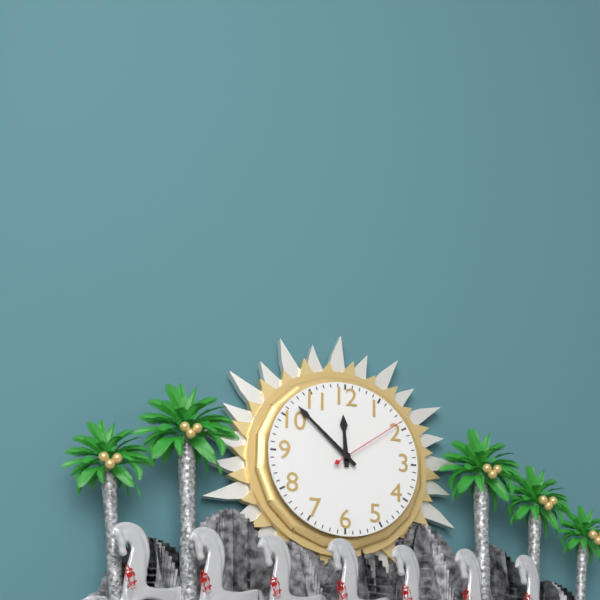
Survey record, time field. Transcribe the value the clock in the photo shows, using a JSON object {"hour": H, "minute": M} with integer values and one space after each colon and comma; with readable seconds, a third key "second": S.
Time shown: {"hour": 11, "minute": 52, "second": 9}
